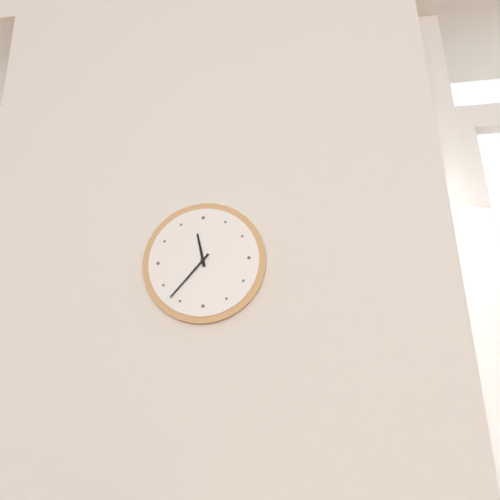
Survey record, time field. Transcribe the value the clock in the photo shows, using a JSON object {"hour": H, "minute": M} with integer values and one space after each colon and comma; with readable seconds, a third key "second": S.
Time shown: {"hour": 11, "minute": 37}
